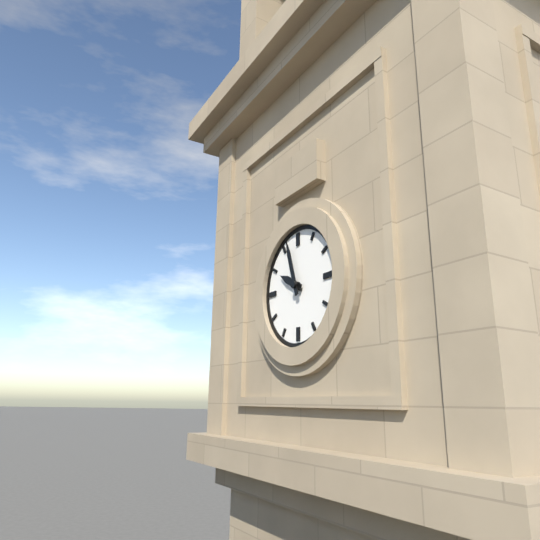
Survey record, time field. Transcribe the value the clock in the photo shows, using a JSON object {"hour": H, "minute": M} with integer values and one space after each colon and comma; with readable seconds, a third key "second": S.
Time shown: {"hour": 9, "minute": 57}
